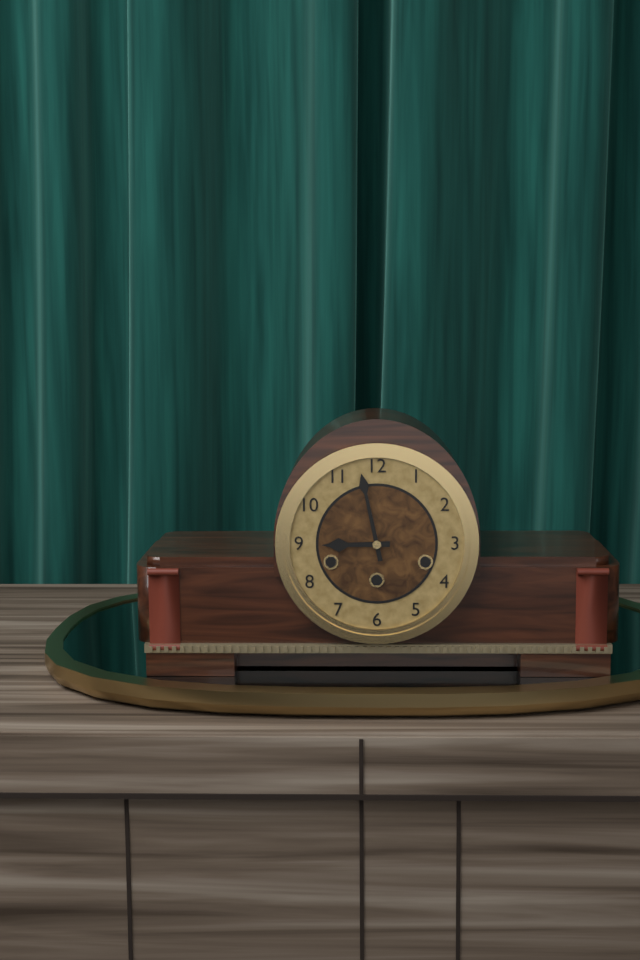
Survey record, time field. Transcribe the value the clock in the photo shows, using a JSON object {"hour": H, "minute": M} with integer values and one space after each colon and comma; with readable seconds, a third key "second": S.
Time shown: {"hour": 8, "minute": 58}
